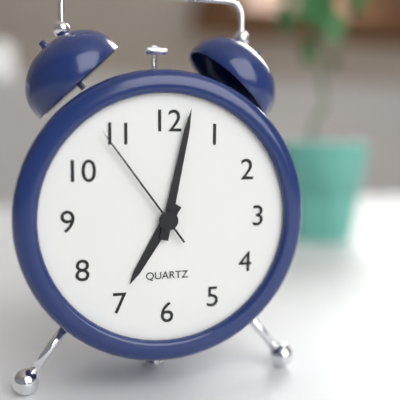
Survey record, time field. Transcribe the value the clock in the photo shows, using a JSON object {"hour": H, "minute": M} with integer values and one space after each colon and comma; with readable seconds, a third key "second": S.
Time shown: {"hour": 7, "minute": 2, "second": 54}
